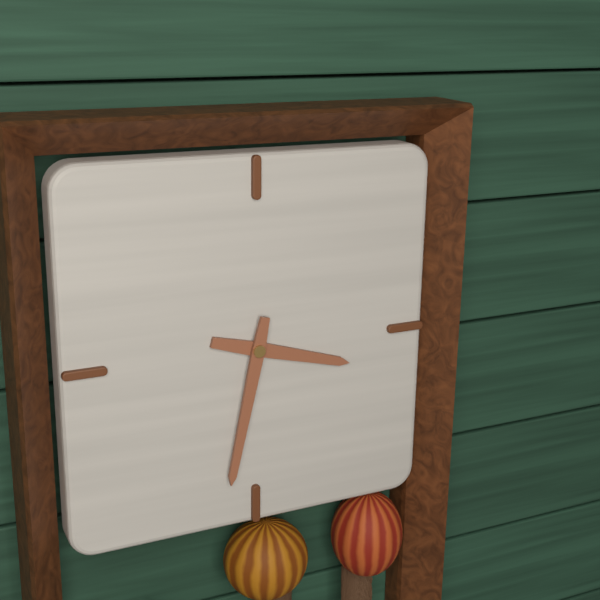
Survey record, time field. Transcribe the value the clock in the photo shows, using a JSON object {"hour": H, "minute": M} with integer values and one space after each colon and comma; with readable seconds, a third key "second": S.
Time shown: {"hour": 3, "minute": 32}
